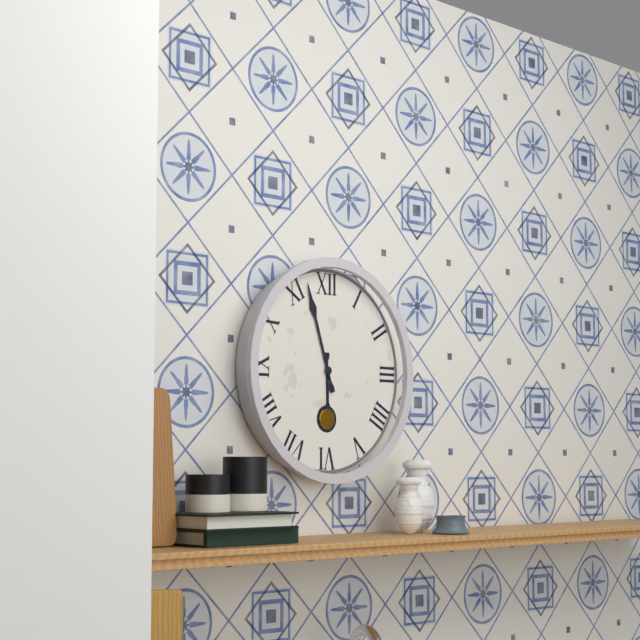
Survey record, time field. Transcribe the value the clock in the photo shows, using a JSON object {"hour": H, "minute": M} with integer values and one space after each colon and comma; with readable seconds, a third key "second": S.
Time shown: {"hour": 5, "minute": 57}
